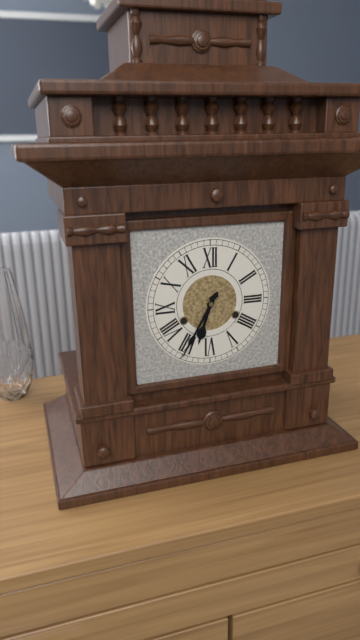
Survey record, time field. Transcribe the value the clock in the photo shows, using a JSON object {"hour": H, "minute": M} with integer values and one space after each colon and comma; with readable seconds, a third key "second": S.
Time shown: {"hour": 6, "minute": 35}
